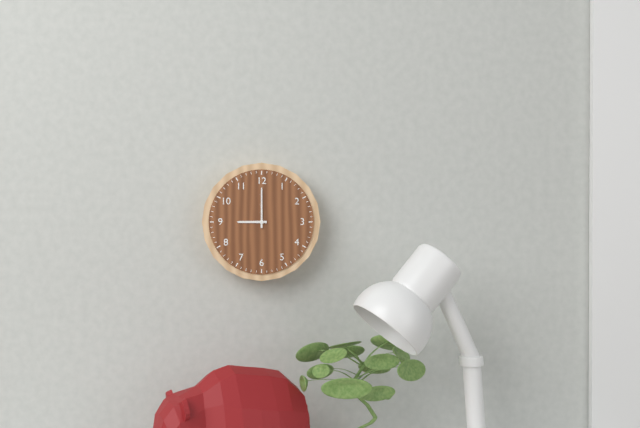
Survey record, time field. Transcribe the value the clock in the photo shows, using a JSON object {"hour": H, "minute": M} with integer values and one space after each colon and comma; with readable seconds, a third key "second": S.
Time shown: {"hour": 9, "minute": 0}
